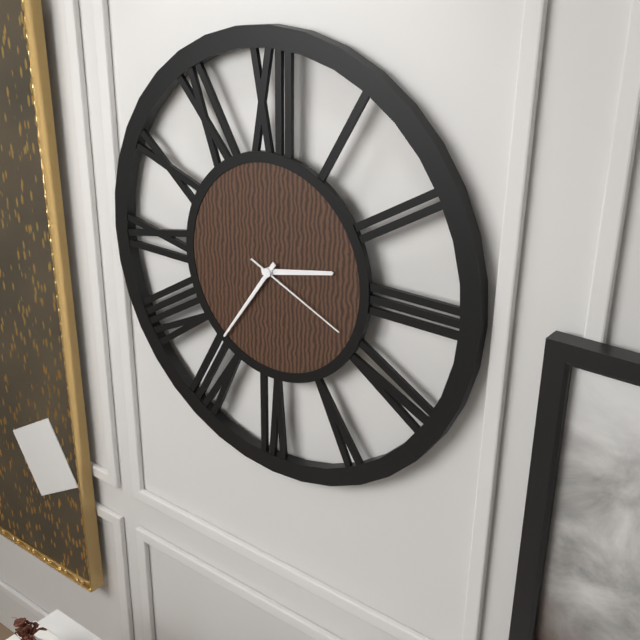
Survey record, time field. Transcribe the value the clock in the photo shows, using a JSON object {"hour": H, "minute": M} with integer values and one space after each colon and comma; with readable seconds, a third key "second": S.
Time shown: {"hour": 2, "minute": 36, "second": 19}
